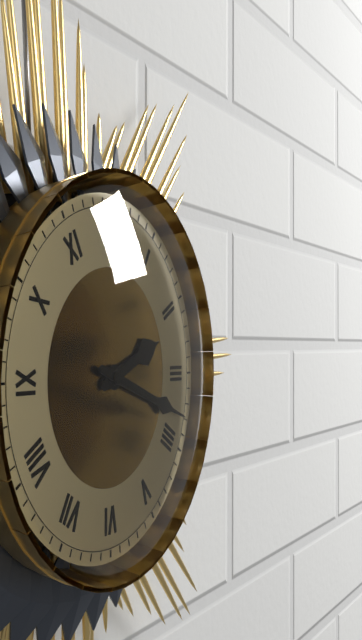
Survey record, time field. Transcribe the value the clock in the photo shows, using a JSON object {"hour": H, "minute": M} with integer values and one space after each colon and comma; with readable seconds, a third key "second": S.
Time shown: {"hour": 2, "minute": 18}
